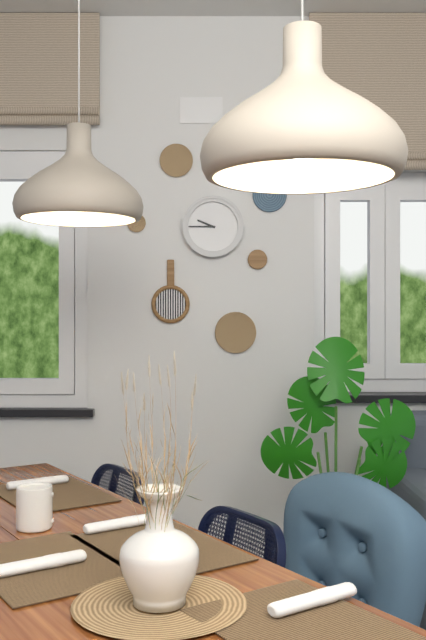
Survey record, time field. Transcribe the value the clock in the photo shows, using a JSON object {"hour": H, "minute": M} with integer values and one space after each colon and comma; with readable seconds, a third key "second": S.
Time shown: {"hour": 9, "minute": 45}
